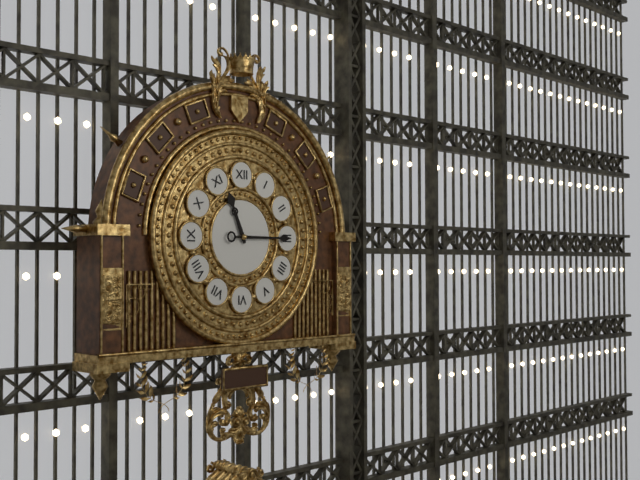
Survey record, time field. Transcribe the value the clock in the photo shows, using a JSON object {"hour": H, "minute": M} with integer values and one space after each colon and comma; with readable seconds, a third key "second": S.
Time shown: {"hour": 11, "minute": 15}
